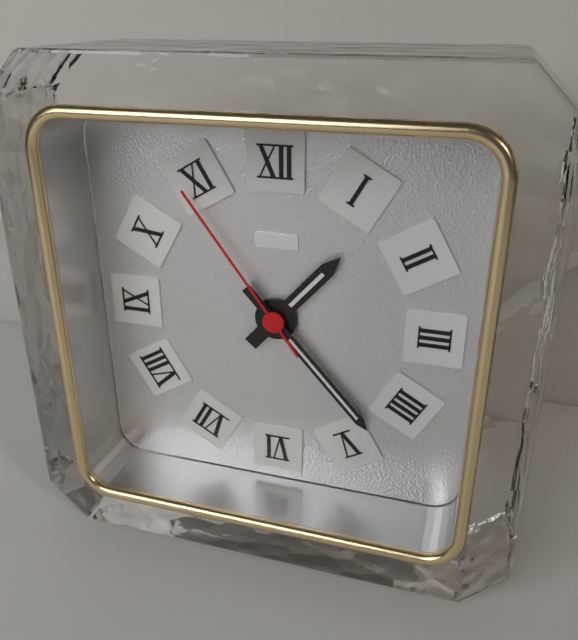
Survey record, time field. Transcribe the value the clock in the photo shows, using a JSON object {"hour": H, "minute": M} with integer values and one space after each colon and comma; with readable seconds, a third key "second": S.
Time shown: {"hour": 1, "minute": 23, "second": 54}
